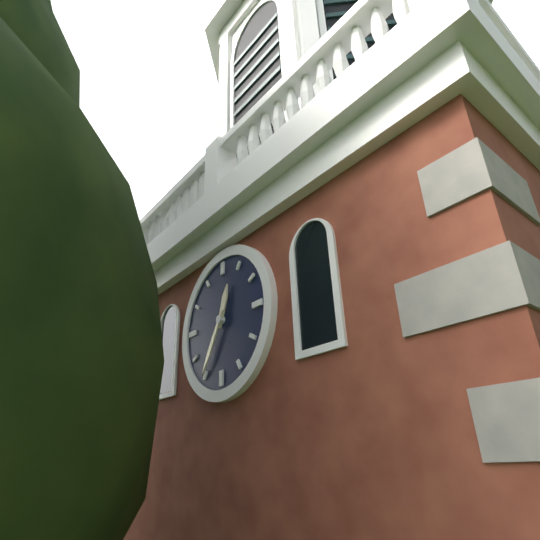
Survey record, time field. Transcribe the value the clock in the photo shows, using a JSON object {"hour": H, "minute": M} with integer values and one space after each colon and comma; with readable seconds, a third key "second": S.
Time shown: {"hour": 12, "minute": 35}
